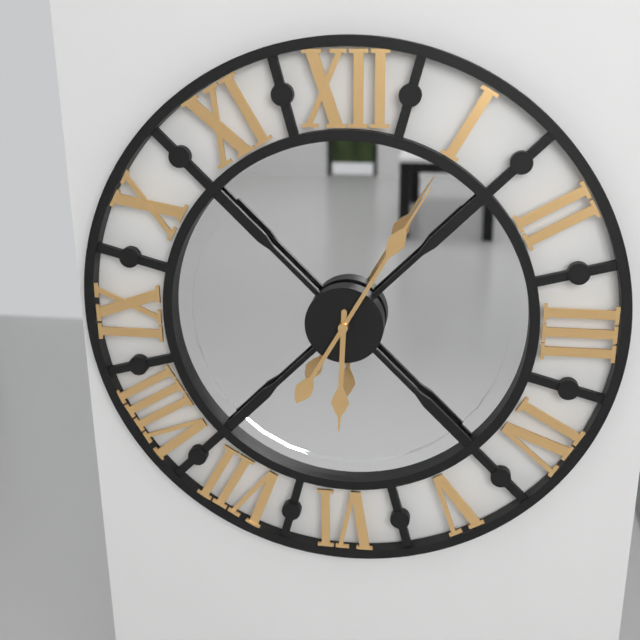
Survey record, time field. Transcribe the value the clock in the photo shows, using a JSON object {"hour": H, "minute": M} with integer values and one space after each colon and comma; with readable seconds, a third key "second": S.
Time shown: {"hour": 6, "minute": 5}
